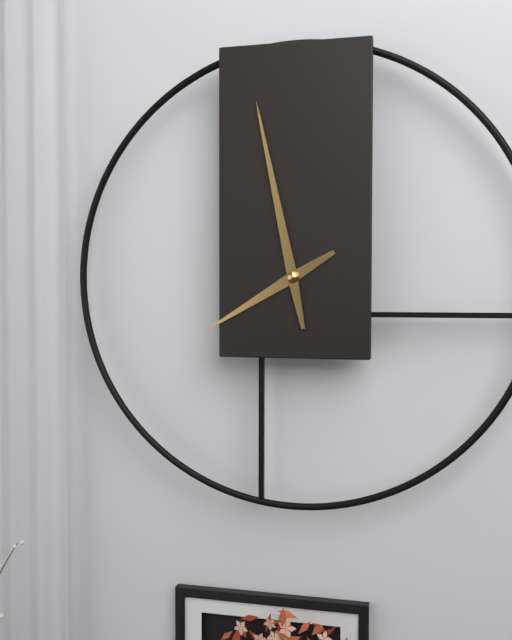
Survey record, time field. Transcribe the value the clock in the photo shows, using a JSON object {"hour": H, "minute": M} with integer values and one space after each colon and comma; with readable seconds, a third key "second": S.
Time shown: {"hour": 7, "minute": 58}
